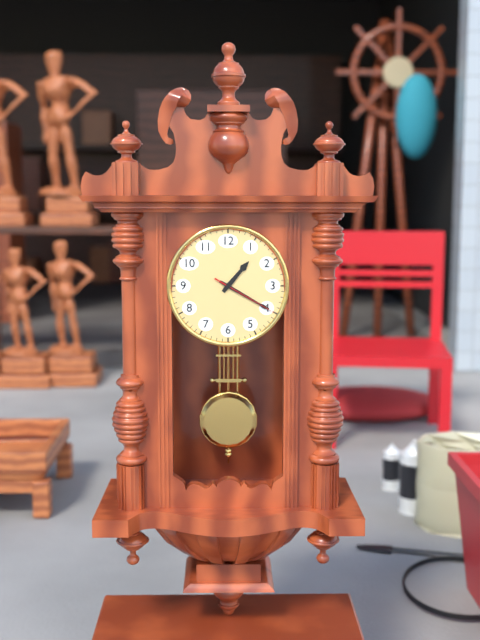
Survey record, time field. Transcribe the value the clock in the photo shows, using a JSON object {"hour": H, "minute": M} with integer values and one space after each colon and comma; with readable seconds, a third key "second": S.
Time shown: {"hour": 1, "minute": 20, "second": 20}
